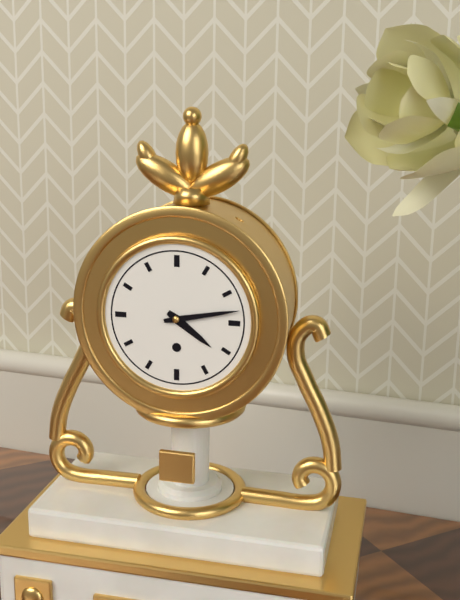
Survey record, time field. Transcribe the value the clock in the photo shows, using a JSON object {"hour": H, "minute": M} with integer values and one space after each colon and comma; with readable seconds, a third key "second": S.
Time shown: {"hour": 4, "minute": 13}
